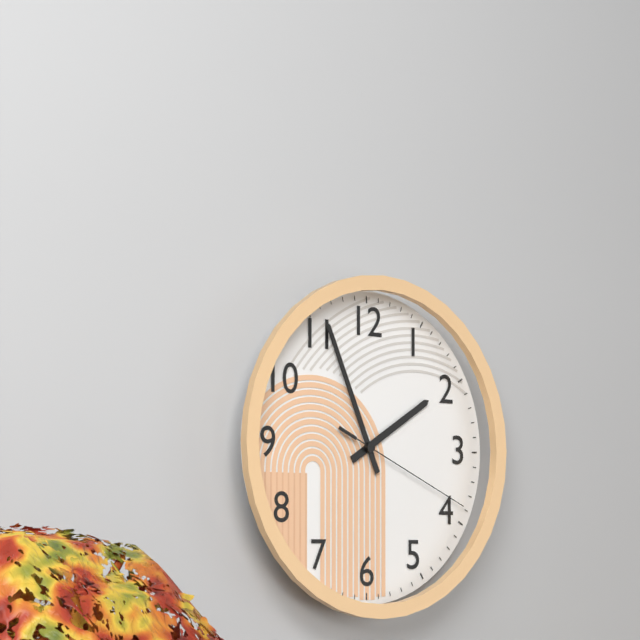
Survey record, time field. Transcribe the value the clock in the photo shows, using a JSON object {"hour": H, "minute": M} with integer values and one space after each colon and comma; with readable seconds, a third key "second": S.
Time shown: {"hour": 1, "minute": 56, "second": 19}
